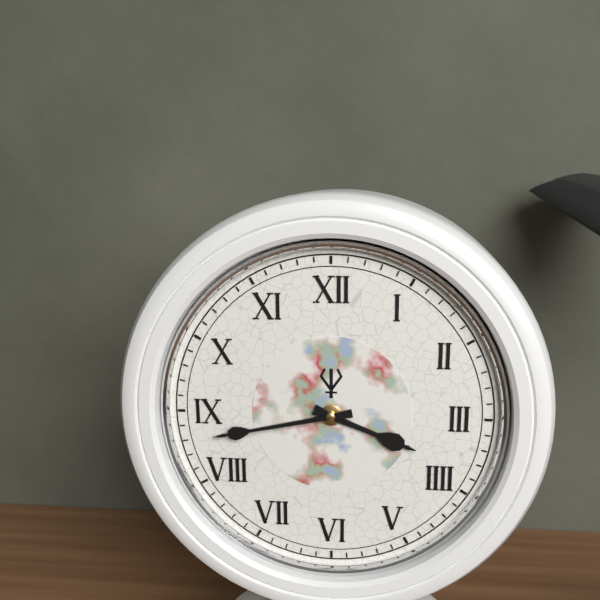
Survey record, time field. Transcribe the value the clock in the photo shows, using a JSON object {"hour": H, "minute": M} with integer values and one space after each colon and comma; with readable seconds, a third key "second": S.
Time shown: {"hour": 3, "minute": 43}
